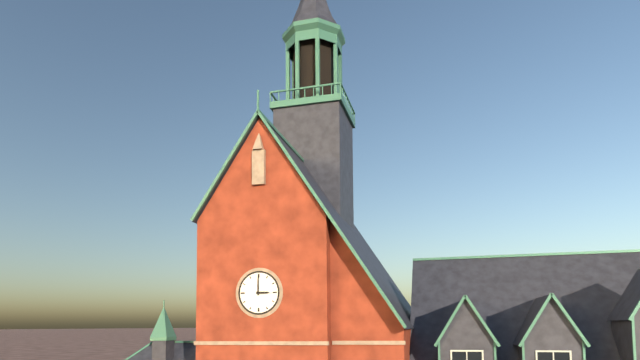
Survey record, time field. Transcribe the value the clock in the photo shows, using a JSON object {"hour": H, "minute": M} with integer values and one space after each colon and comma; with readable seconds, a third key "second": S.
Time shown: {"hour": 3, "minute": 0}
